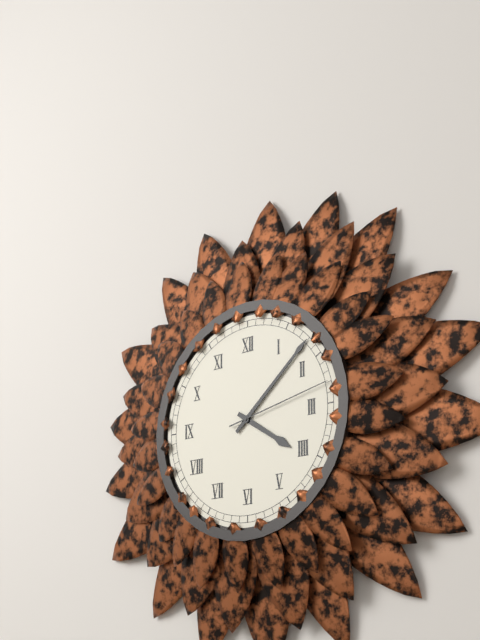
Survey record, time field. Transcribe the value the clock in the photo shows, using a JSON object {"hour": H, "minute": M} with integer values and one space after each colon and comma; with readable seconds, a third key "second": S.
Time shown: {"hour": 4, "minute": 8, "second": 13}
